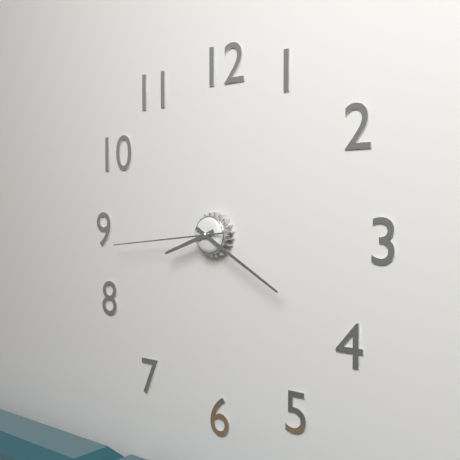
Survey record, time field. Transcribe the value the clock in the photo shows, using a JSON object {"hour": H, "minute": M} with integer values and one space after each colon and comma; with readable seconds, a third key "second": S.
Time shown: {"hour": 8, "minute": 20, "second": 44}
